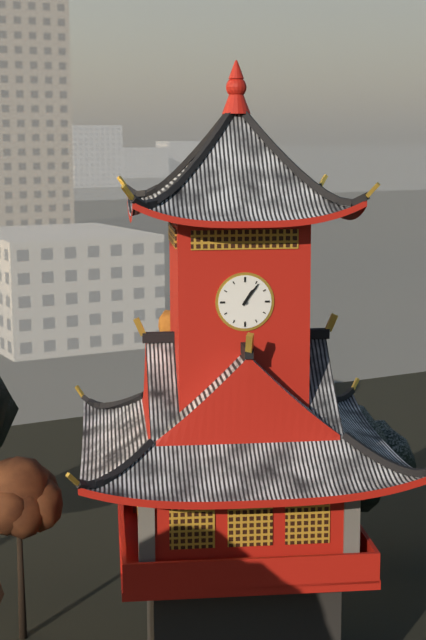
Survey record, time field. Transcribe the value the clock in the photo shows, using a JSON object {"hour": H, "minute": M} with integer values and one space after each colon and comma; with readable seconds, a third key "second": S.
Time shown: {"hour": 1, "minute": 6}
